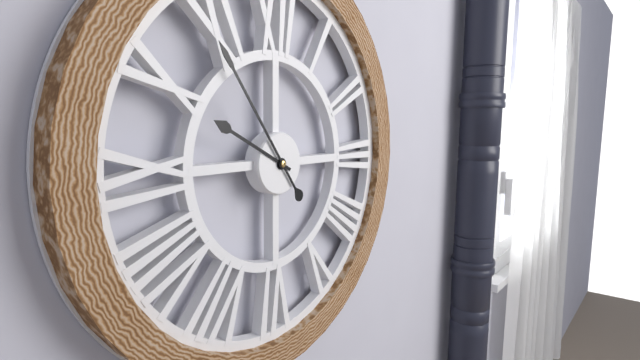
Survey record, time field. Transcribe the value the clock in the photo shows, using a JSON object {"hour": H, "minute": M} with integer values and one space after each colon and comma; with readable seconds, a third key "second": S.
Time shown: {"hour": 9, "minute": 54}
